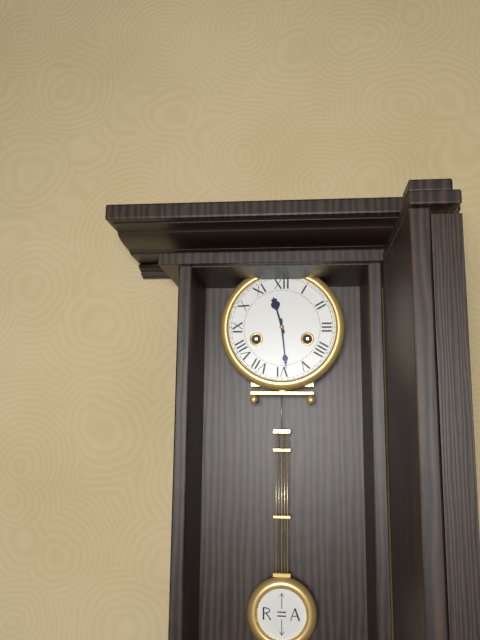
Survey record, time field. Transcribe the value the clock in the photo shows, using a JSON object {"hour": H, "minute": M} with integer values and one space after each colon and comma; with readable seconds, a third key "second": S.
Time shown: {"hour": 11, "minute": 29}
